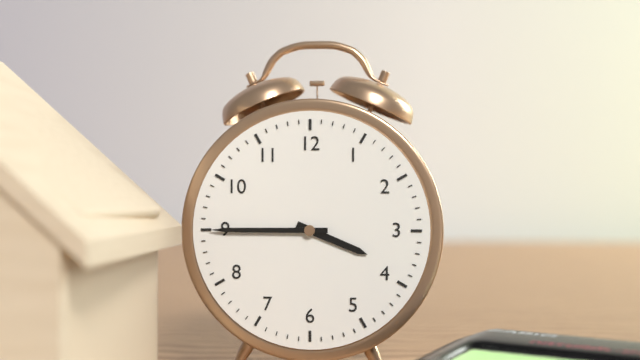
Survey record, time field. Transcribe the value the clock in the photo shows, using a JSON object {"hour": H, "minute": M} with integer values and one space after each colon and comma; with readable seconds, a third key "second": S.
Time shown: {"hour": 3, "minute": 45}
